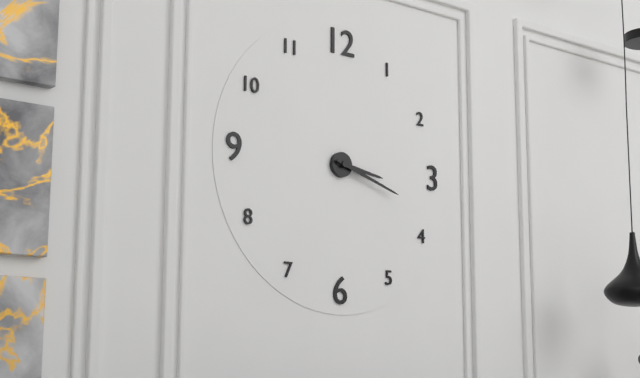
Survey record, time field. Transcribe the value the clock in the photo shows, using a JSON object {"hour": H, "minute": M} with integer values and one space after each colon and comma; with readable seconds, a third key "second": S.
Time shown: {"hour": 3, "minute": 18}
